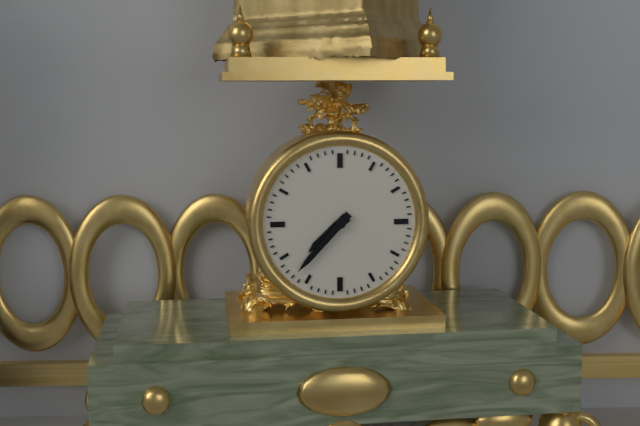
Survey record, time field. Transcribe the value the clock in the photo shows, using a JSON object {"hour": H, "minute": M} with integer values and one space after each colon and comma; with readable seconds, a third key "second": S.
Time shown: {"hour": 7, "minute": 37}
